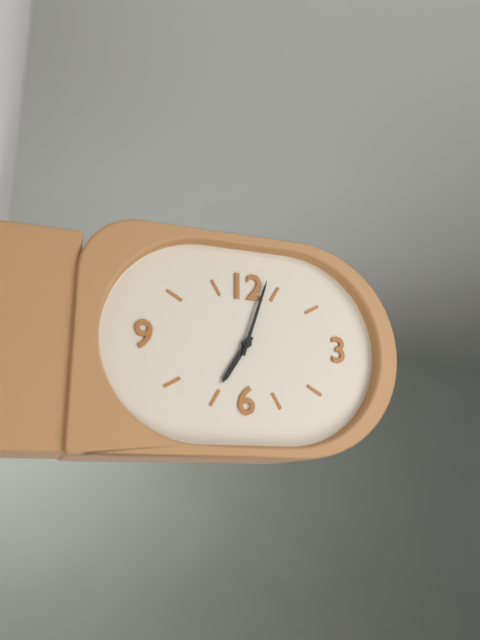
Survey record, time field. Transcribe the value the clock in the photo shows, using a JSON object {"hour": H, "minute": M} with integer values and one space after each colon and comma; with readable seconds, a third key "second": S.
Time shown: {"hour": 7, "minute": 3}
